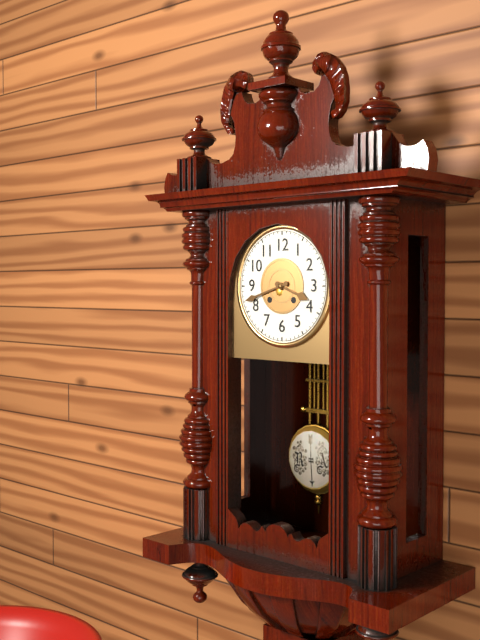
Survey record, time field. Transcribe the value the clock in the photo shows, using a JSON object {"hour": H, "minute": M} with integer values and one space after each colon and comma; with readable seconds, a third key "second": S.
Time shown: {"hour": 3, "minute": 42}
